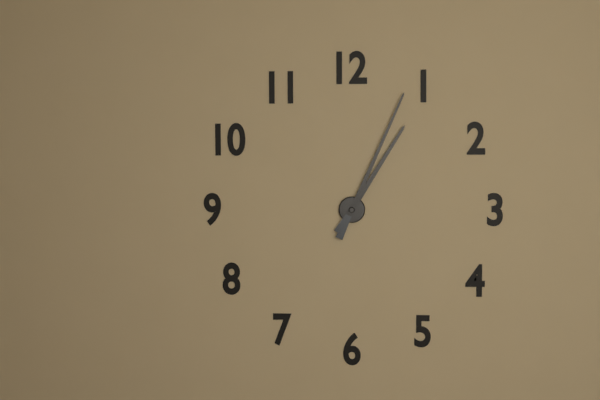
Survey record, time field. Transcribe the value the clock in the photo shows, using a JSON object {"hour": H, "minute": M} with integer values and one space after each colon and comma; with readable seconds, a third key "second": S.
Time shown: {"hour": 1, "minute": 4}
